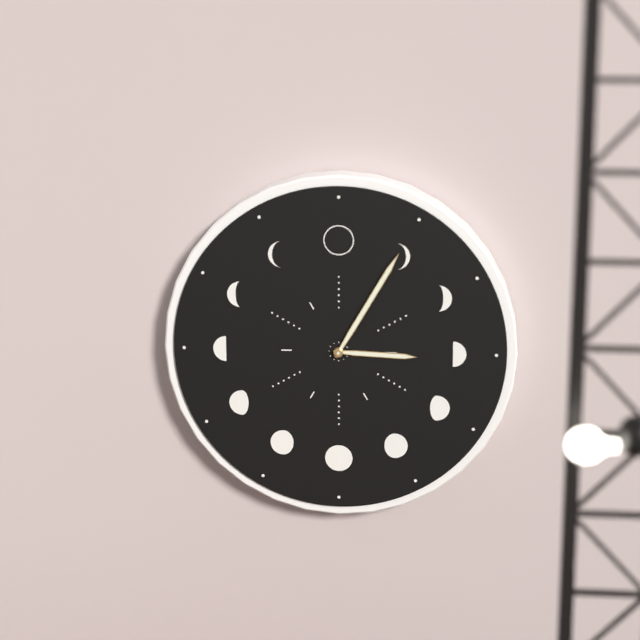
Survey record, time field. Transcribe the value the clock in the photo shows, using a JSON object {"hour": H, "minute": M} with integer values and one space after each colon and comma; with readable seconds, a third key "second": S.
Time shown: {"hour": 3, "minute": 5}
